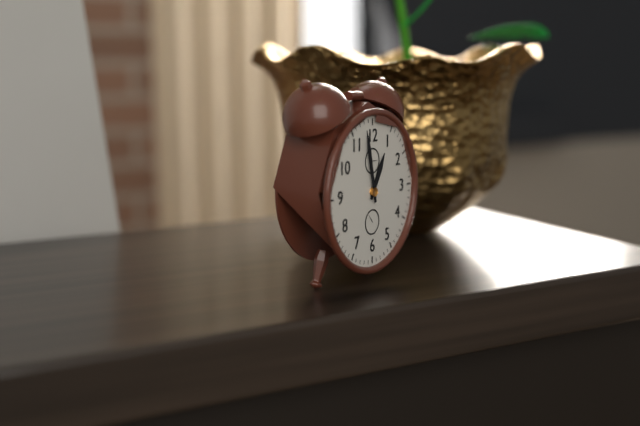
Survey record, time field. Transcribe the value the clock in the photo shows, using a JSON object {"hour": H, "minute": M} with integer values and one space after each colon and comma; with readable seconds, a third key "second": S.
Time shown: {"hour": 12, "minute": 58}
